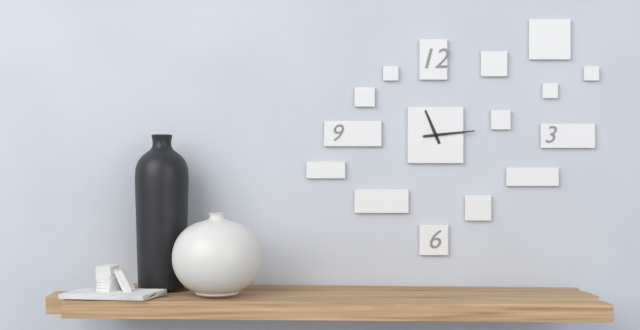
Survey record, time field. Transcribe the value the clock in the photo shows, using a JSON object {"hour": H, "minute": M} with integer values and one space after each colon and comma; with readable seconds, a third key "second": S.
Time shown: {"hour": 11, "minute": 14}
